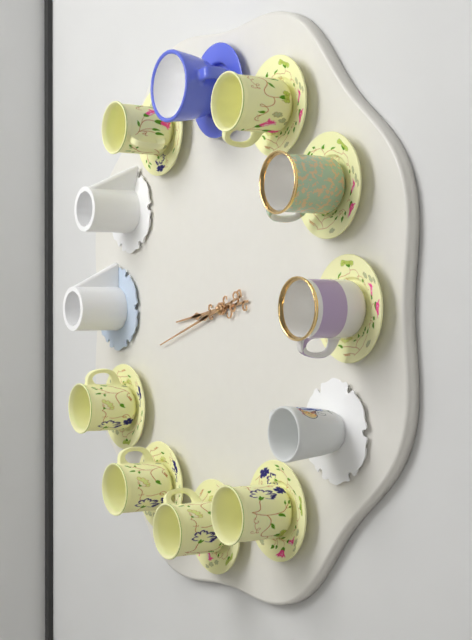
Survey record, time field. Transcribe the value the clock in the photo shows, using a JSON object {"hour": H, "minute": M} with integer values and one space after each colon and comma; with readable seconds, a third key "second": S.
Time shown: {"hour": 8, "minute": 42}
